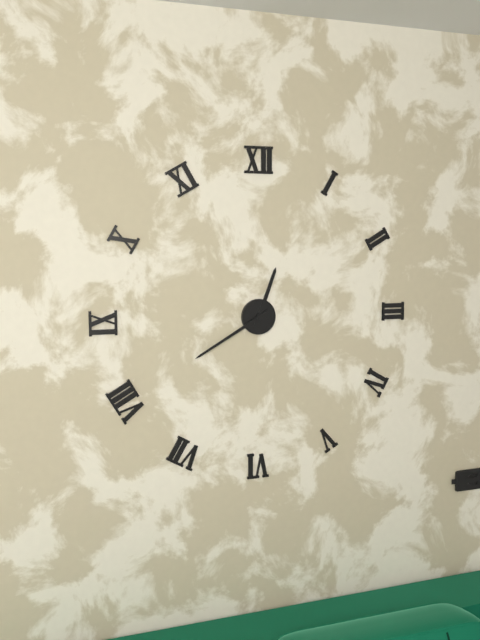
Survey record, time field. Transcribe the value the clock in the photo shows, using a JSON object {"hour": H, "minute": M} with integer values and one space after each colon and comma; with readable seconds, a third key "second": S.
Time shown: {"hour": 12, "minute": 40}
